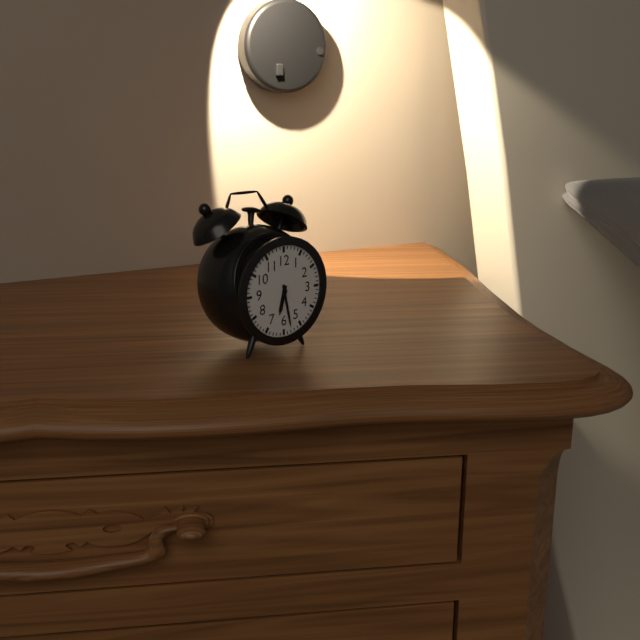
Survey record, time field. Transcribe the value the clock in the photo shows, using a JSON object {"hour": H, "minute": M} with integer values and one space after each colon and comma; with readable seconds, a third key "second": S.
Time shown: {"hour": 6, "minute": 28}
